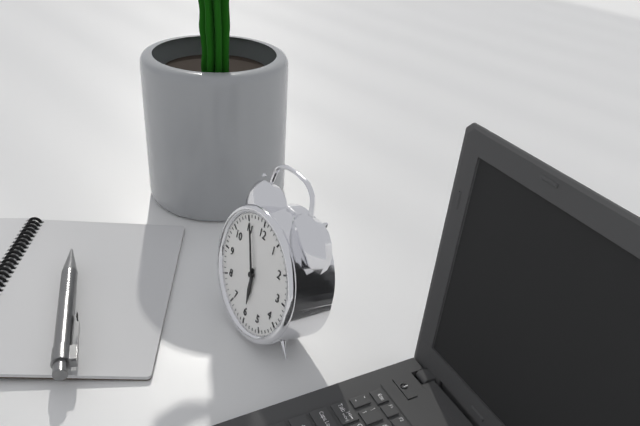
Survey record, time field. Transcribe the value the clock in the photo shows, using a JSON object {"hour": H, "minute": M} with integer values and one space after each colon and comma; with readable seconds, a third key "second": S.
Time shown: {"hour": 5, "minute": 56}
